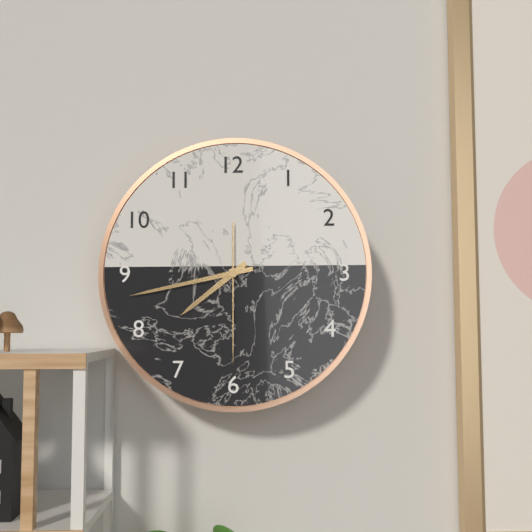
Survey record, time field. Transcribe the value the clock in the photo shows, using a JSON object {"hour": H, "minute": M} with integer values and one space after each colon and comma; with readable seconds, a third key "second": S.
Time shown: {"hour": 7, "minute": 43, "second": 30}
